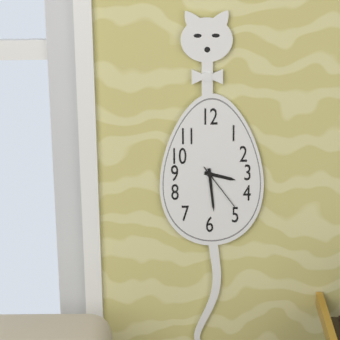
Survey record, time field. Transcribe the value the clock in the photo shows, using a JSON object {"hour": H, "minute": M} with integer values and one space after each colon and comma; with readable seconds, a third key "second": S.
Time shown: {"hour": 3, "minute": 29, "second": 24}
